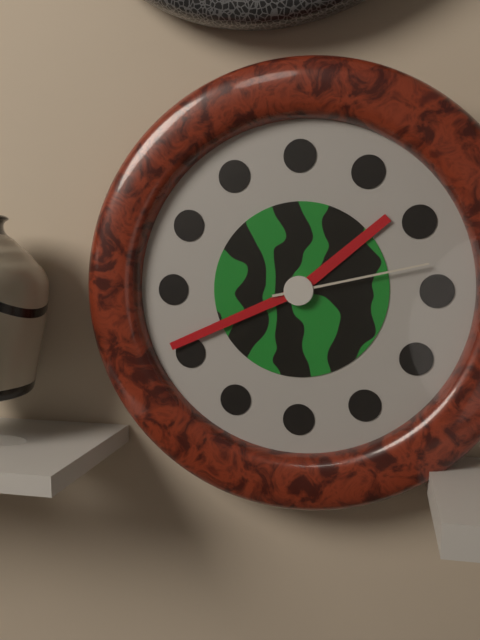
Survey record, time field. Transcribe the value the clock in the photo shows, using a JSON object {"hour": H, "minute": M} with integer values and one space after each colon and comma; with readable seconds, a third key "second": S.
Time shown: {"hour": 1, "minute": 41, "second": 13}
